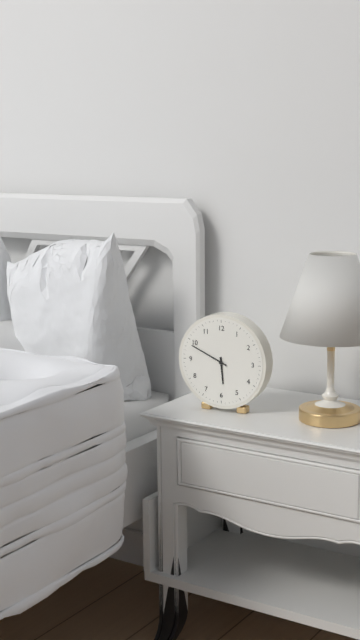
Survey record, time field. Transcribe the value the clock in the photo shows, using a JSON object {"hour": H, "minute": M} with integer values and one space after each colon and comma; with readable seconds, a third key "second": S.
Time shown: {"hour": 5, "minute": 49}
